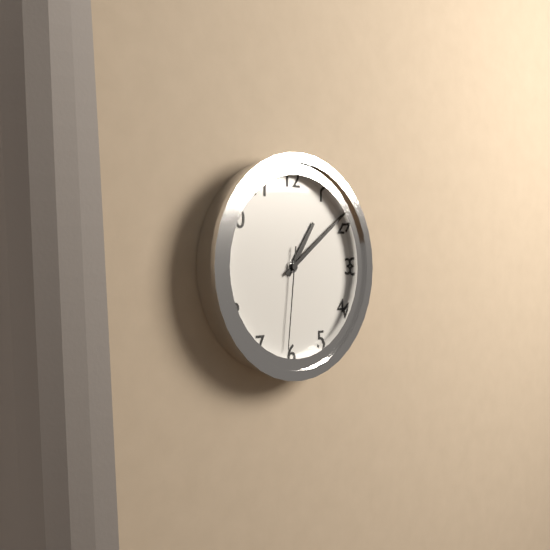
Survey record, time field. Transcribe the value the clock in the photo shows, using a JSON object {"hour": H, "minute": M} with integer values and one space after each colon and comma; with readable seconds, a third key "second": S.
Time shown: {"hour": 1, "minute": 9, "second": 31}
